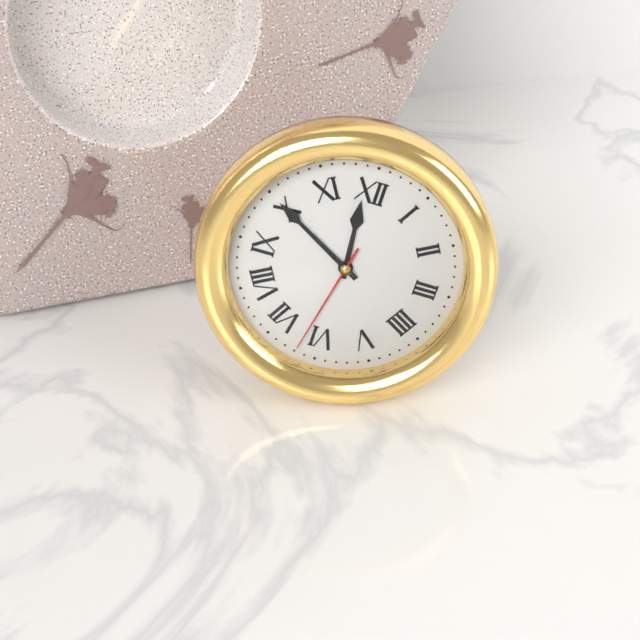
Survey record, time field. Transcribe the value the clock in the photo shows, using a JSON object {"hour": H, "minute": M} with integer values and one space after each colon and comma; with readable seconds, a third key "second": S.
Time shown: {"hour": 11, "minute": 50, "second": 32}
